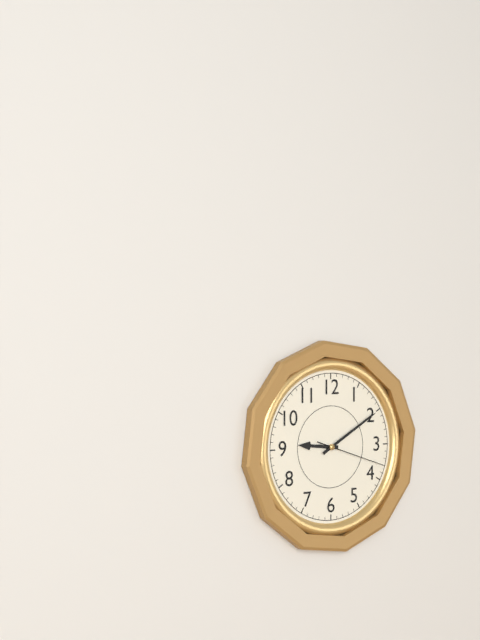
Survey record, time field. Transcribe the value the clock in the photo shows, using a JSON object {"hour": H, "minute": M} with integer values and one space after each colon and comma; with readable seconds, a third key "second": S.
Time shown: {"hour": 9, "minute": 10, "second": 18}
